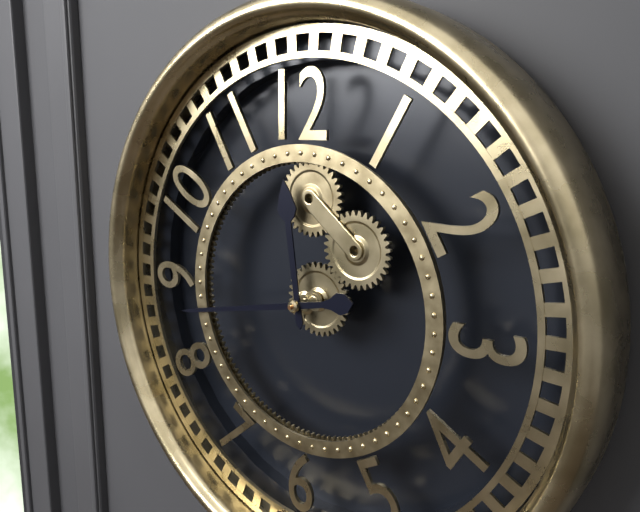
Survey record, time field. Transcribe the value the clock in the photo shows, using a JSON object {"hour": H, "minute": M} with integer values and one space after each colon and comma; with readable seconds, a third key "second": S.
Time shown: {"hour": 11, "minute": 43}
